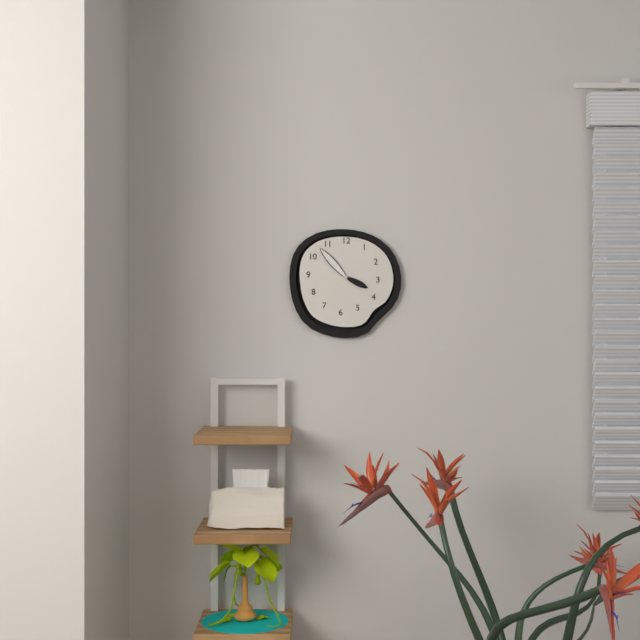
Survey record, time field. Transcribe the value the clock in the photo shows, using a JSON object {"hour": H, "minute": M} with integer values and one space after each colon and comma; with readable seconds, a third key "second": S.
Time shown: {"hour": 3, "minute": 53}
